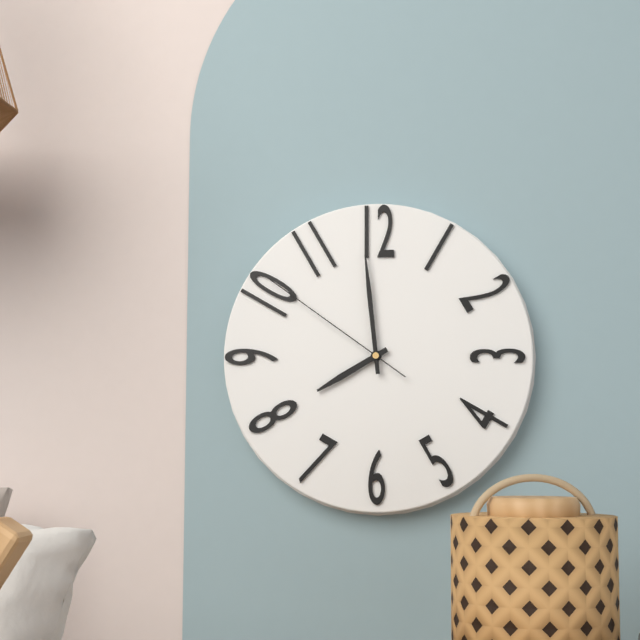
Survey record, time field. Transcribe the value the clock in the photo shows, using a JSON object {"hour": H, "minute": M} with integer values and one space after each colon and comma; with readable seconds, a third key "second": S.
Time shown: {"hour": 7, "minute": 59, "second": 51}
